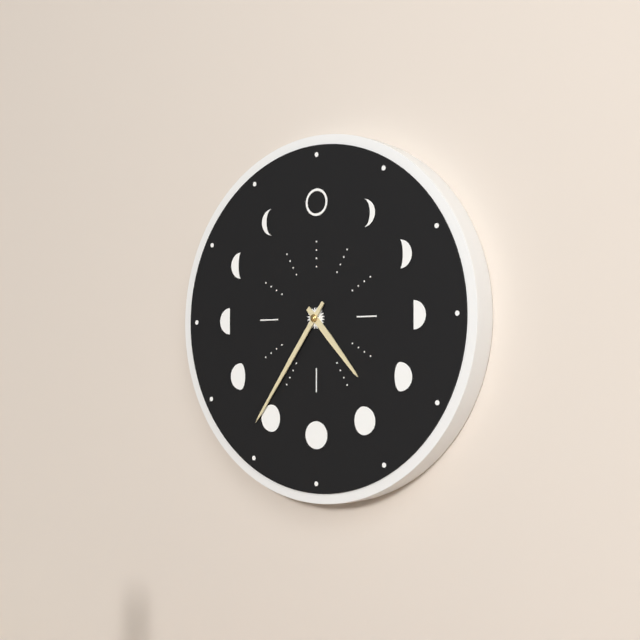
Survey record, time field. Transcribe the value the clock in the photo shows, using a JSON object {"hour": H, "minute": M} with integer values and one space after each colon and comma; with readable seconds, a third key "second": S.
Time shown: {"hour": 4, "minute": 36}
